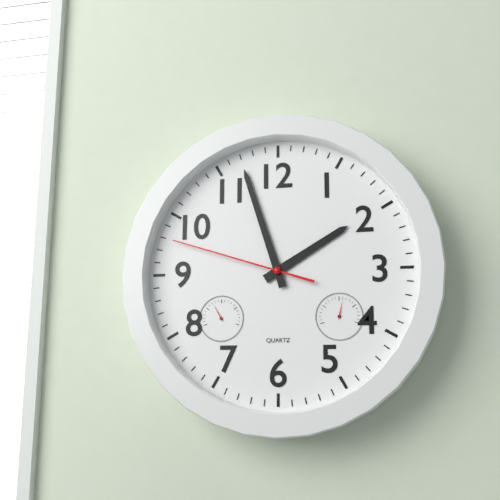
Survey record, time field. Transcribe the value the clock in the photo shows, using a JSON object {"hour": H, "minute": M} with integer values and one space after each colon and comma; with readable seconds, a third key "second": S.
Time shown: {"hour": 1, "minute": 57, "second": 48}
